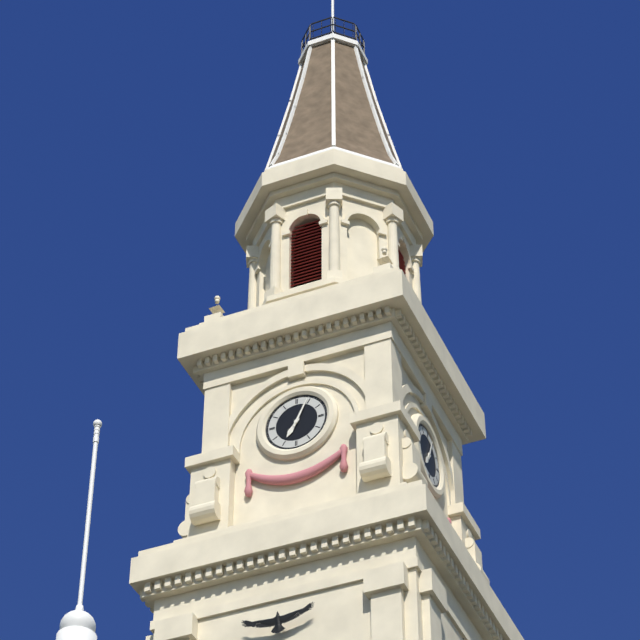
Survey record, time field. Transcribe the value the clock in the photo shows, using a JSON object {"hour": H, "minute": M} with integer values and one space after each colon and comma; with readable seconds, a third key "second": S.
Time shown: {"hour": 7, "minute": 4}
